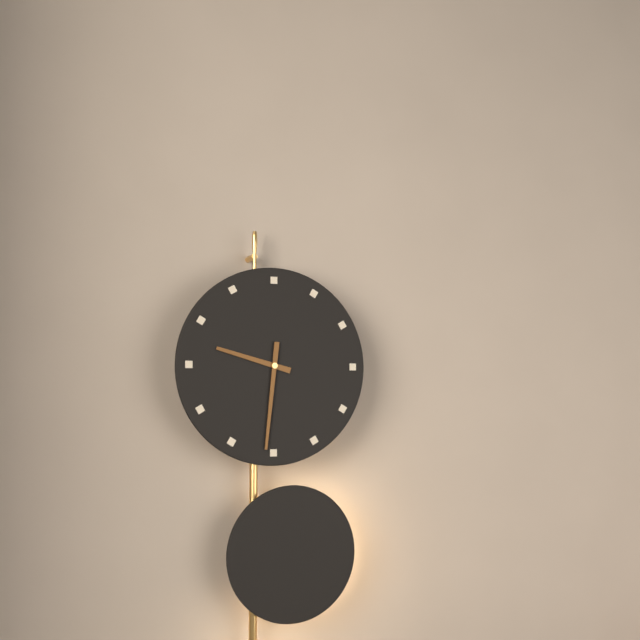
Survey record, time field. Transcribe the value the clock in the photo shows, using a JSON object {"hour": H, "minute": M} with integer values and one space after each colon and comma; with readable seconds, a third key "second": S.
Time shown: {"hour": 9, "minute": 31}
